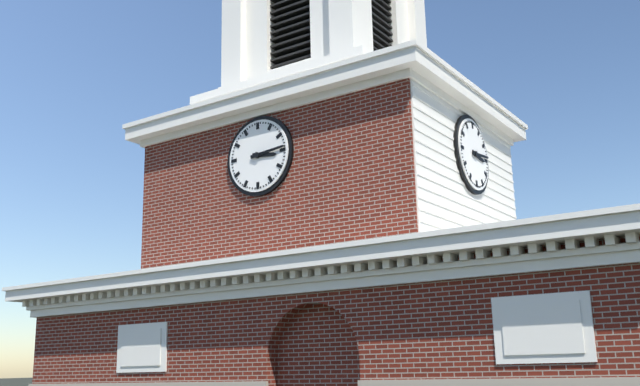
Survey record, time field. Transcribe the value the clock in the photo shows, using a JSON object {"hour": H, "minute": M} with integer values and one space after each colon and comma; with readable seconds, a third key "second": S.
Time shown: {"hour": 3, "minute": 14}
